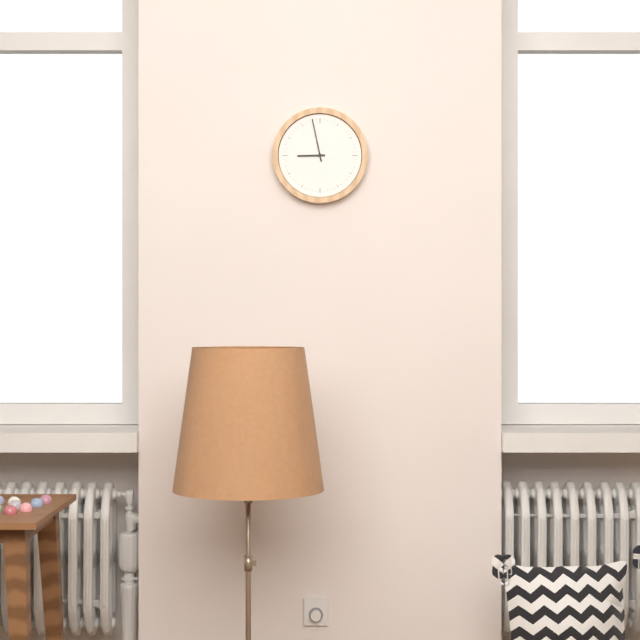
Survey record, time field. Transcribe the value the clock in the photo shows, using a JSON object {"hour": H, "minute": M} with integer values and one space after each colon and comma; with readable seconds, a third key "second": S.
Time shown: {"hour": 8, "minute": 58}
